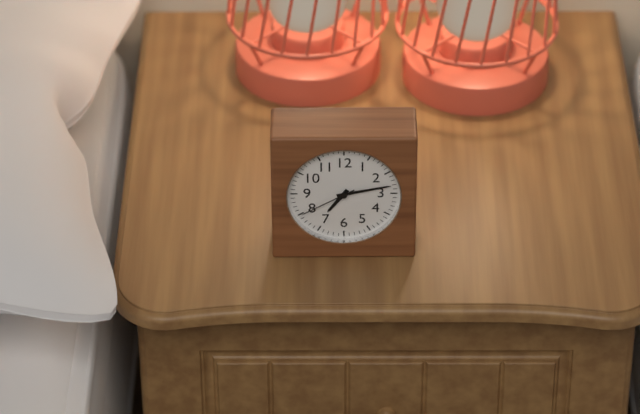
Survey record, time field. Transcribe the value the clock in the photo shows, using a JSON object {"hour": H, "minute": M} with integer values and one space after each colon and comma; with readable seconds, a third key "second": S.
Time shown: {"hour": 7, "minute": 13, "second": 40}
